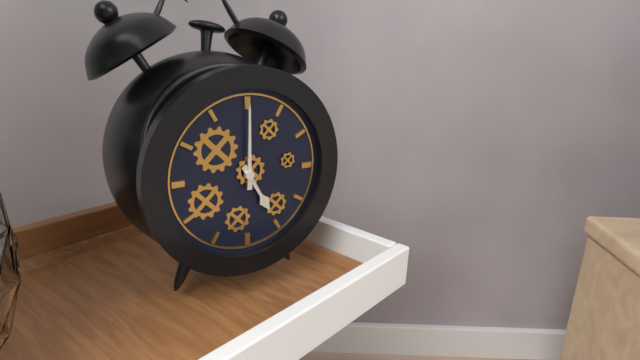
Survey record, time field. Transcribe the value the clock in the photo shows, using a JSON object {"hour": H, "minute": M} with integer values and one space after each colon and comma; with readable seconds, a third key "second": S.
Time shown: {"hour": 5, "minute": 0}
